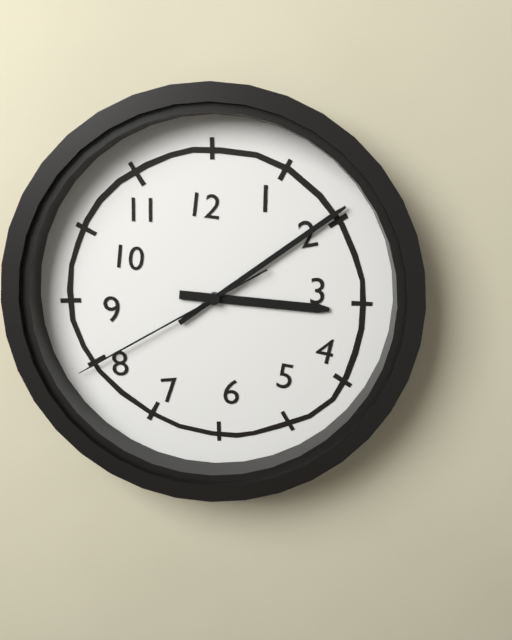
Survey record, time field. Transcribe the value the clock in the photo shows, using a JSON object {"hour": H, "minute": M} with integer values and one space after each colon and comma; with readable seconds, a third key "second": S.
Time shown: {"hour": 3, "minute": 9, "second": 40}
